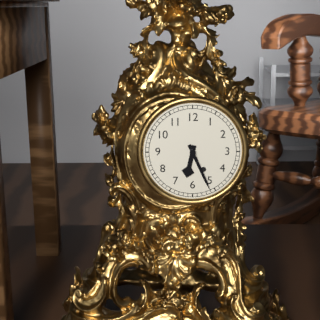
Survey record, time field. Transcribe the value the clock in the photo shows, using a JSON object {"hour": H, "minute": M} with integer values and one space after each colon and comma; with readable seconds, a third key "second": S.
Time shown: {"hour": 6, "minute": 26}
